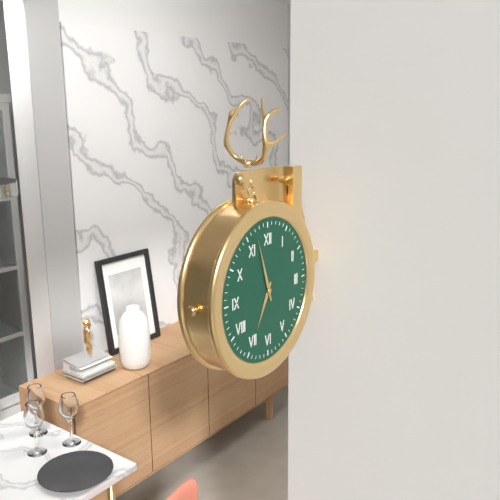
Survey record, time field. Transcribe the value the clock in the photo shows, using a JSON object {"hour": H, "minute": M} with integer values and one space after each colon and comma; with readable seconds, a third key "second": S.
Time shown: {"hour": 6, "minute": 57}
